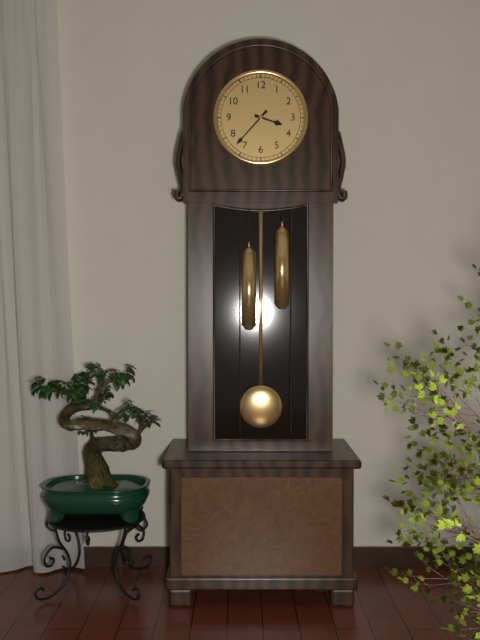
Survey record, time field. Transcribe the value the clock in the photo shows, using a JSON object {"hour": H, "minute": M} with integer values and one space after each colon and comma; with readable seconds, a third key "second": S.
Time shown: {"hour": 3, "minute": 37}
